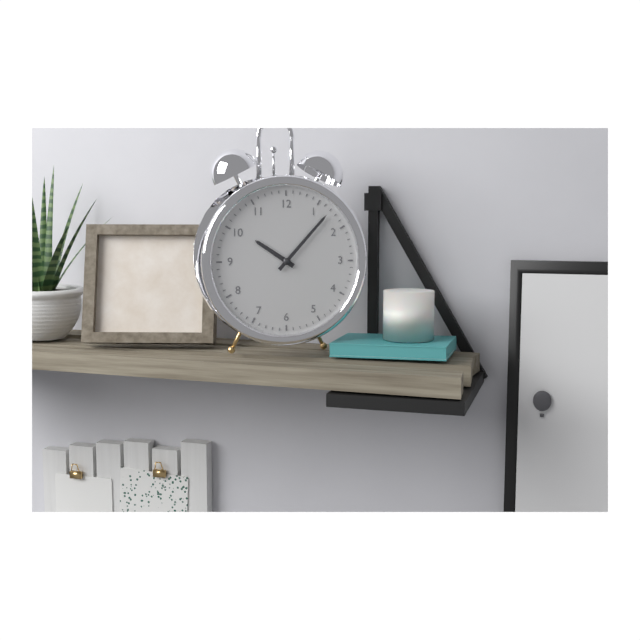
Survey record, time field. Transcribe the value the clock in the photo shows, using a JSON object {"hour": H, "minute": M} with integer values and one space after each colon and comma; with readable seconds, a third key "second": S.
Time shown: {"hour": 10, "minute": 7}
